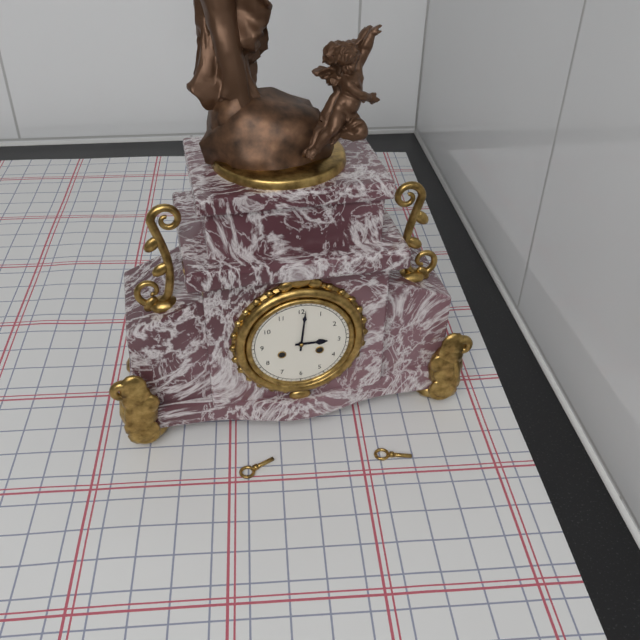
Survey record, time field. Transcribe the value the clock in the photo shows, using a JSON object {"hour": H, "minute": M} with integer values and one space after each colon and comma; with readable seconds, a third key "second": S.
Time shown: {"hour": 3, "minute": 1}
